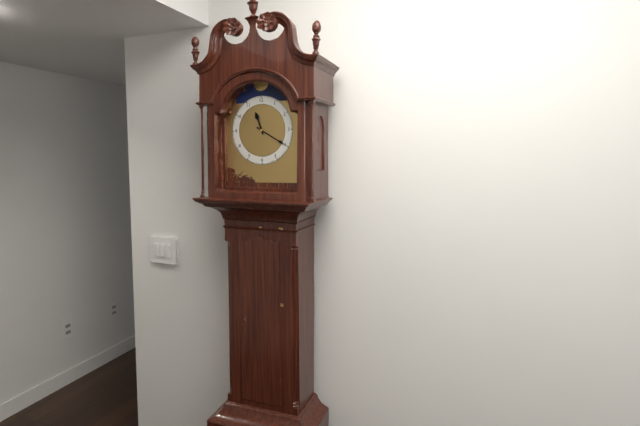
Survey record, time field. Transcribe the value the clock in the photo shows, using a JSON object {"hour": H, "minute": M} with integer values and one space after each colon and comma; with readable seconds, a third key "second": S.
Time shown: {"hour": 11, "minute": 20}
